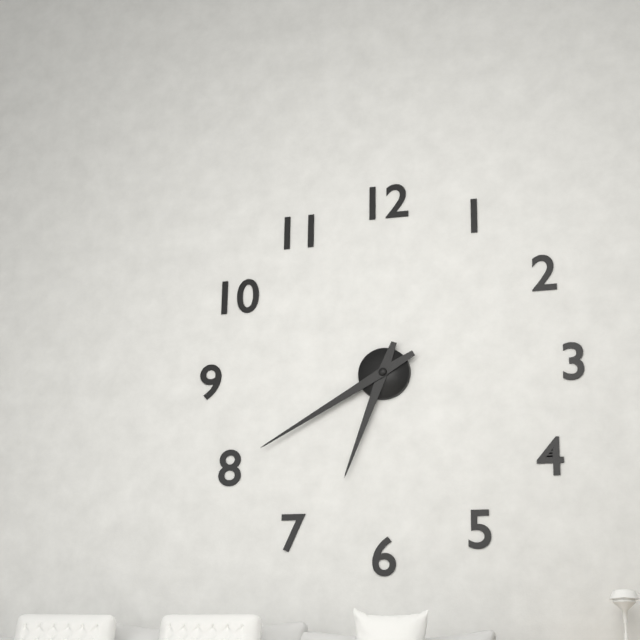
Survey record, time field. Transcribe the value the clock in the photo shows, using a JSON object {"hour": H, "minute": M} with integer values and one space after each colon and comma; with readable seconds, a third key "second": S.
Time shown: {"hour": 6, "minute": 40}
